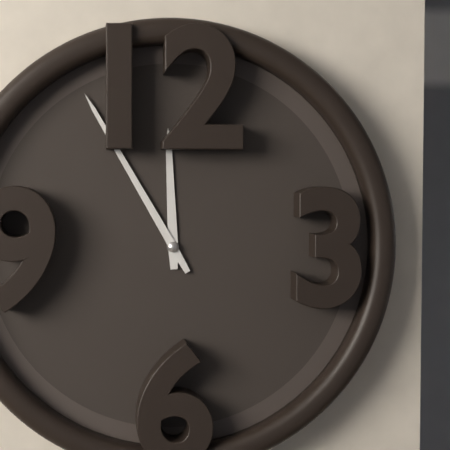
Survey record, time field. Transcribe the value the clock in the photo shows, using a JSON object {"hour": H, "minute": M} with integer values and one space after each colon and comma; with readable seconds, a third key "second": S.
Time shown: {"hour": 11, "minute": 55}
